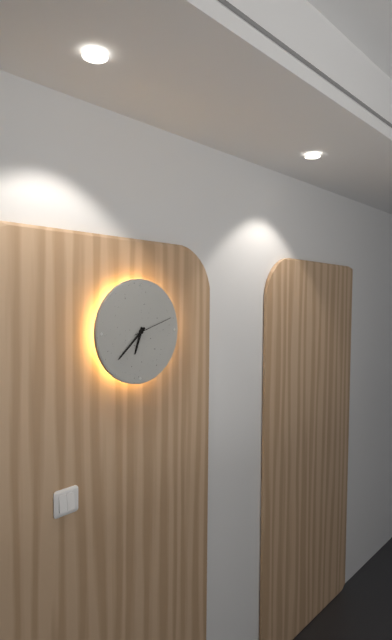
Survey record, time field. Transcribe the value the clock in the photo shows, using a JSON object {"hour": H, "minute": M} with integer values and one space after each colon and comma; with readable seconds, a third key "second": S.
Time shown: {"hour": 6, "minute": 38}
